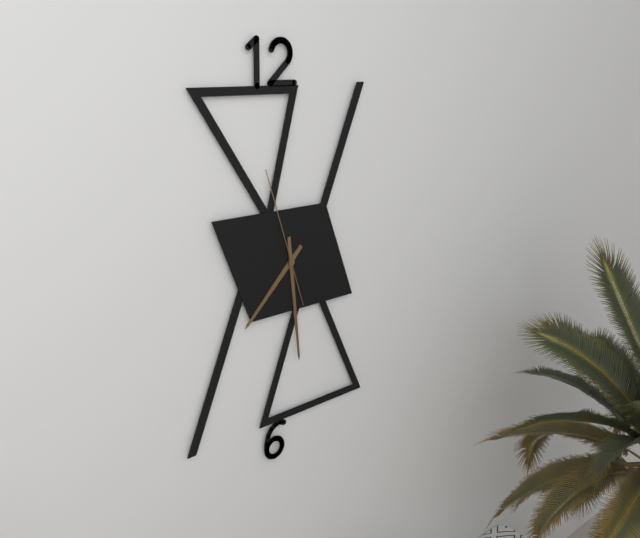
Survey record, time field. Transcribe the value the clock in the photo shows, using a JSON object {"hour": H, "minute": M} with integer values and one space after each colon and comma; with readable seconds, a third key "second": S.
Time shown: {"hour": 7, "minute": 29, "second": 57}
